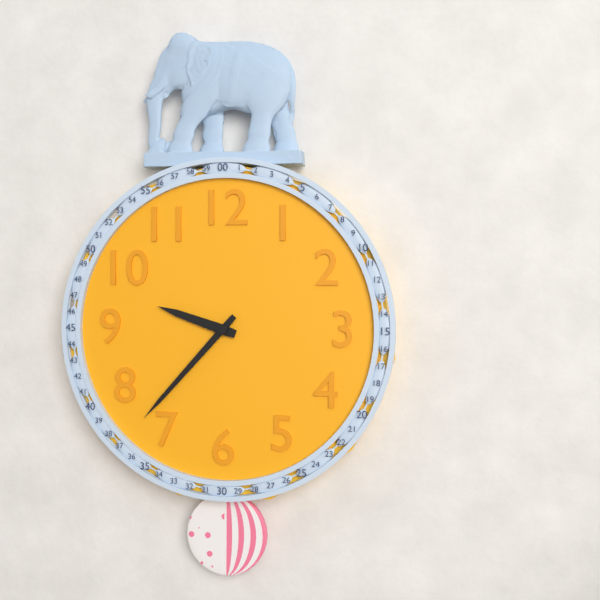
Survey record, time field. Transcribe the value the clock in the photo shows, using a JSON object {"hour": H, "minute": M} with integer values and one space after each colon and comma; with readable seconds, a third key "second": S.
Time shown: {"hour": 9, "minute": 37}
